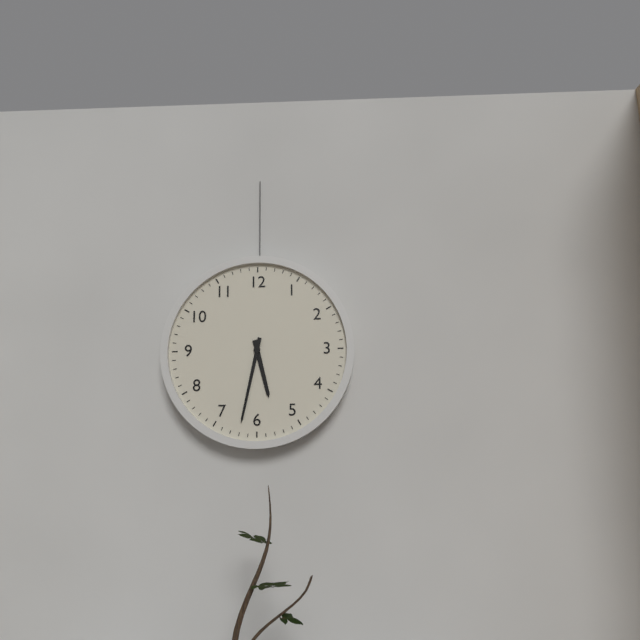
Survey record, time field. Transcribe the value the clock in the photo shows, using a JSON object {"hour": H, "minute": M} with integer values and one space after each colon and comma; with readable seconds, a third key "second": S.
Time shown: {"hour": 5, "minute": 32}
